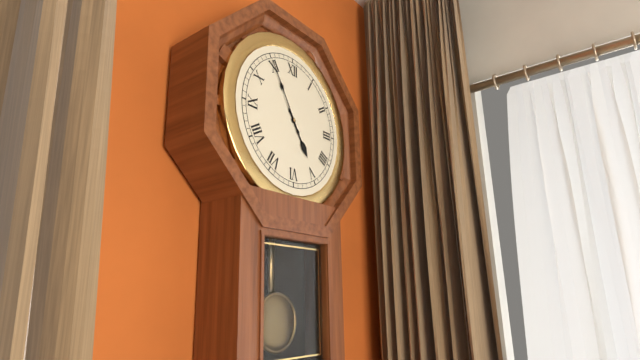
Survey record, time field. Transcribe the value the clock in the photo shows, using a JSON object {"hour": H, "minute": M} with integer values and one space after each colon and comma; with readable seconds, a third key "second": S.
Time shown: {"hour": 4, "minute": 55}
